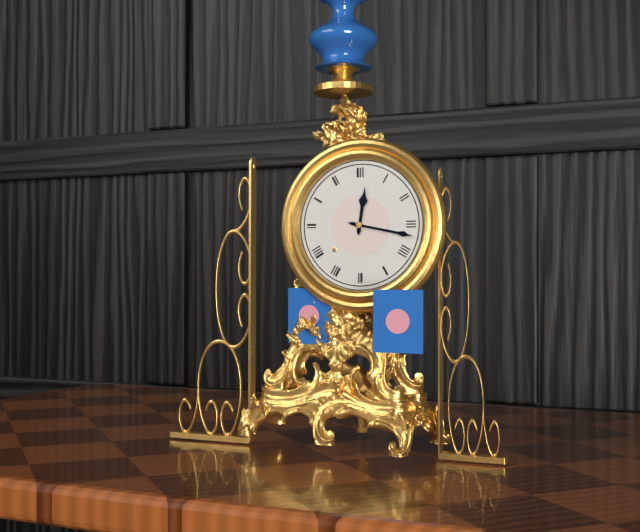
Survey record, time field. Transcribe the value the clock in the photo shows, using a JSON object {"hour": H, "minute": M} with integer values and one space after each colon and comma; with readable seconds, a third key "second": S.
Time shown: {"hour": 12, "minute": 17}
